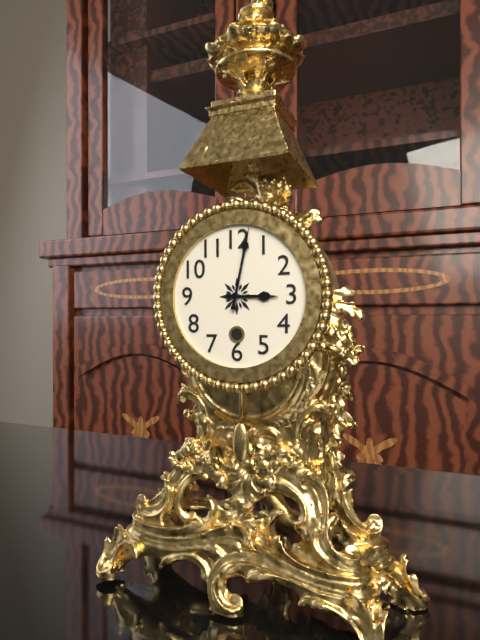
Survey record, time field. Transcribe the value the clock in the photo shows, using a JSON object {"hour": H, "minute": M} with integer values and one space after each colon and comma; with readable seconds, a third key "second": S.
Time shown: {"hour": 3, "minute": 2}
